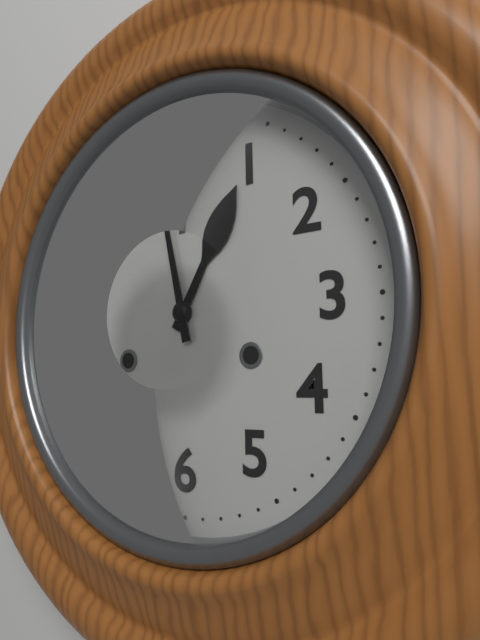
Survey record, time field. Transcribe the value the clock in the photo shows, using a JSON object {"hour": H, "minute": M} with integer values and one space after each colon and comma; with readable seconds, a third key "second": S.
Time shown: {"hour": 12, "minute": 58}
